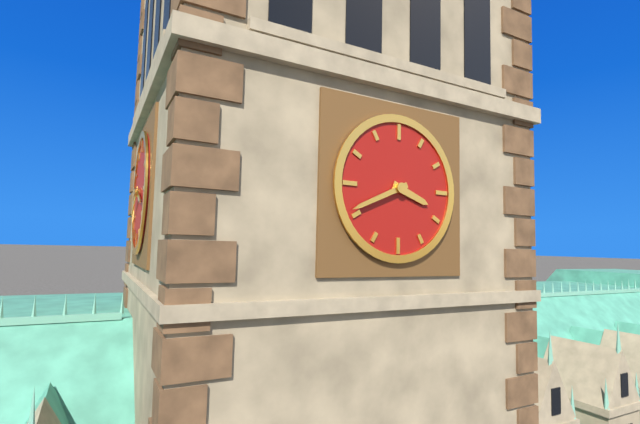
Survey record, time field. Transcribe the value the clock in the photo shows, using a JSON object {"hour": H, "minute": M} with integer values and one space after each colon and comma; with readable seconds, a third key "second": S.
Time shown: {"hour": 3, "minute": 41}
